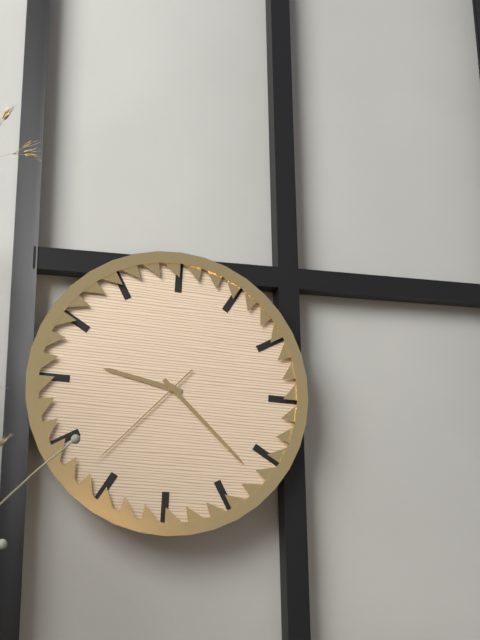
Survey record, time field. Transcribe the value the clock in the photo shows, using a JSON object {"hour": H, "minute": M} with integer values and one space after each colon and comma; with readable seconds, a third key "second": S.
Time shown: {"hour": 9, "minute": 22, "second": 37}
